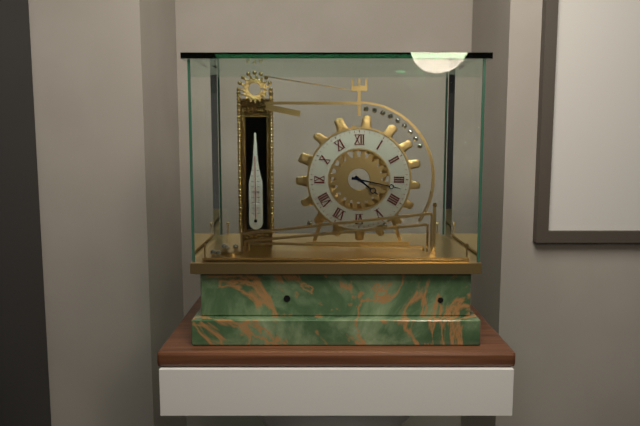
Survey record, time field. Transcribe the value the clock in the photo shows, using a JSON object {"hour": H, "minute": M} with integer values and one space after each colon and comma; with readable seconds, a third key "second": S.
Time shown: {"hour": 4, "minute": 17}
